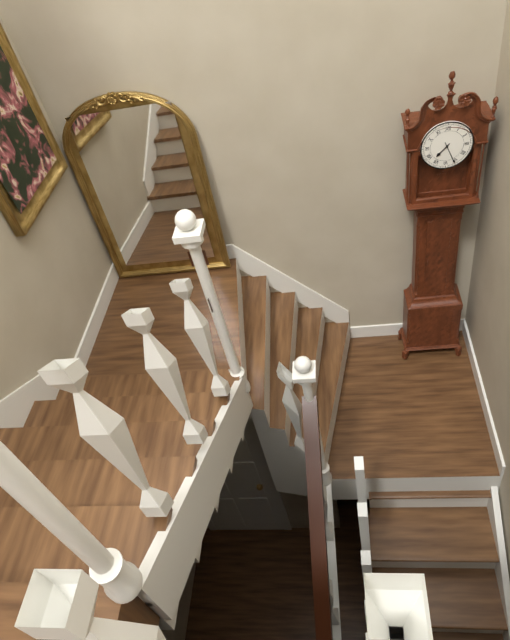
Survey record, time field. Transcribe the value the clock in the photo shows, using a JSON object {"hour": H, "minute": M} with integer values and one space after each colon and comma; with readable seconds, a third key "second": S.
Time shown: {"hour": 7, "minute": 26}
